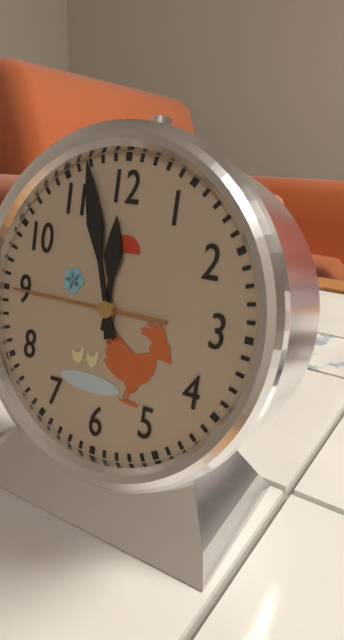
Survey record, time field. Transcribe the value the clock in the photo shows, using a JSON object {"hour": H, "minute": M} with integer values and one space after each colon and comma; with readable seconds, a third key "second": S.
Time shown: {"hour": 11, "minute": 57}
